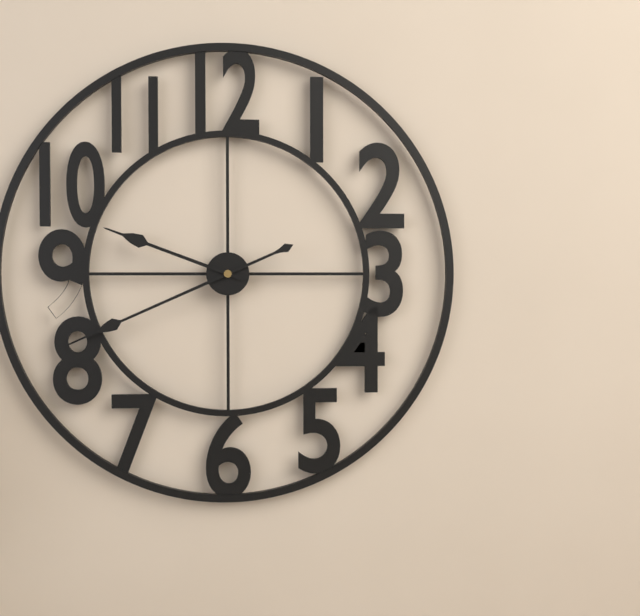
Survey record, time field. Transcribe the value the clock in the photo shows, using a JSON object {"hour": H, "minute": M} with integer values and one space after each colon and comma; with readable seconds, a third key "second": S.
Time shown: {"hour": 9, "minute": 41}
